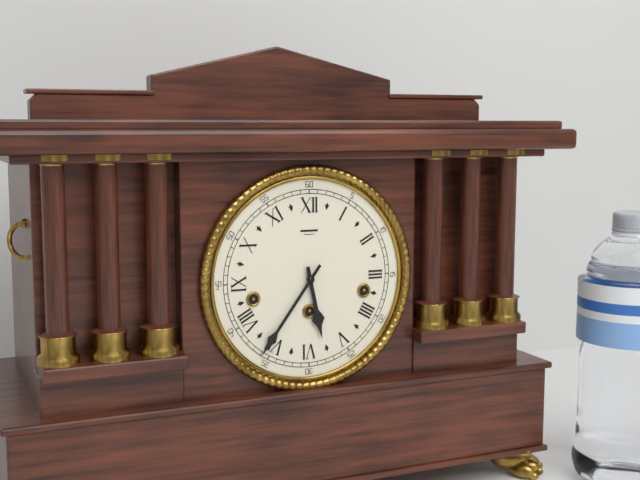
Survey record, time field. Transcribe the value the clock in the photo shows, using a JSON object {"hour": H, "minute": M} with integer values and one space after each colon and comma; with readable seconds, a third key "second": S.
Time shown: {"hour": 5, "minute": 36}
